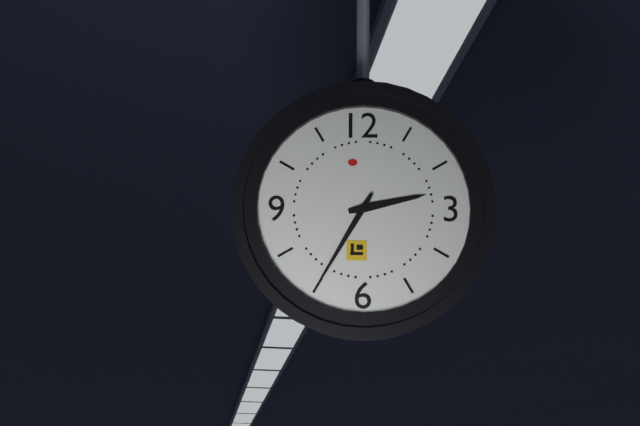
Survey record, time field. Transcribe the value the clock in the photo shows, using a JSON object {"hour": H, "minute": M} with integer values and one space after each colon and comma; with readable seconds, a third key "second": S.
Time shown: {"hour": 2, "minute": 35}
